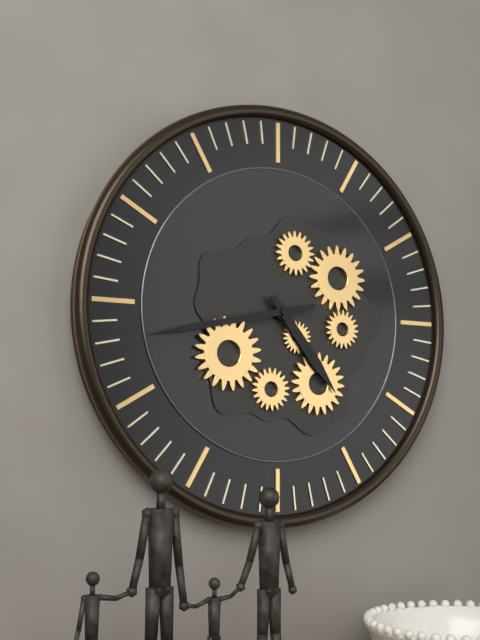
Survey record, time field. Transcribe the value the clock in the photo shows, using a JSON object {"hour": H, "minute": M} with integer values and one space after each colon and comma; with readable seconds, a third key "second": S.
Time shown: {"hour": 4, "minute": 43}
